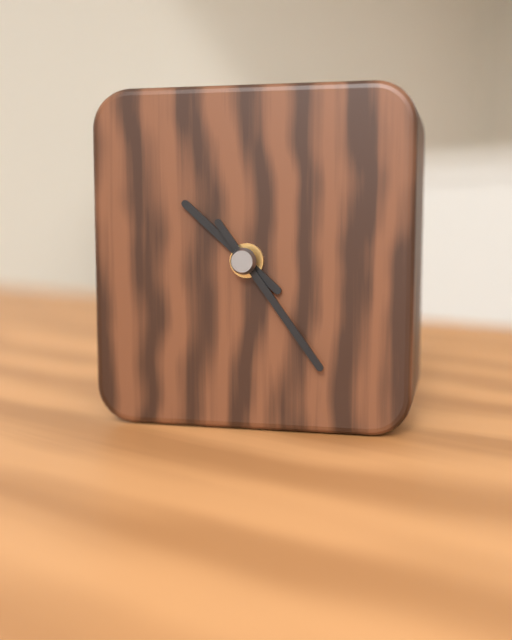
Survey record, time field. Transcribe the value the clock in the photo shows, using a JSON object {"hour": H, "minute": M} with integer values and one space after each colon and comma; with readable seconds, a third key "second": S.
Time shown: {"hour": 10, "minute": 24}
